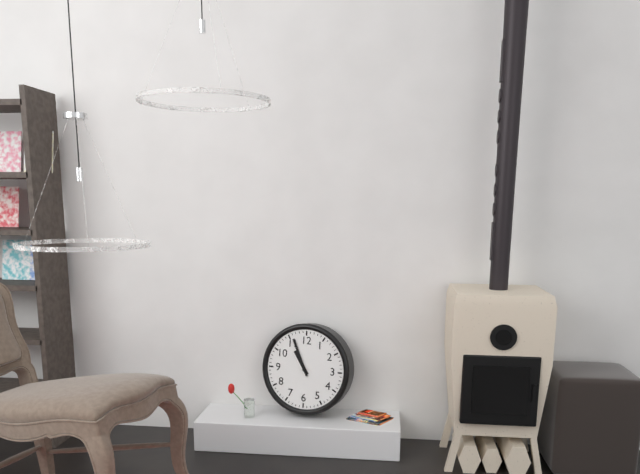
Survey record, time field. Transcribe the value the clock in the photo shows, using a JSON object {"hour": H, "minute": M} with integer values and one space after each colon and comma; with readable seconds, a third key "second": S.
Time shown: {"hour": 10, "minute": 56}
